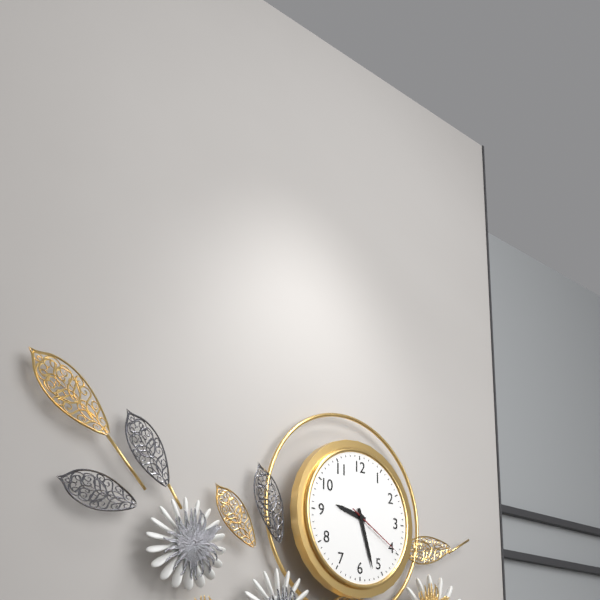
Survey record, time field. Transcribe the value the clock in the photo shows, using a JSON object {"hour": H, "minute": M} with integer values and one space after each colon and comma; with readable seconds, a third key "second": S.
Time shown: {"hour": 9, "minute": 27, "second": 20}
